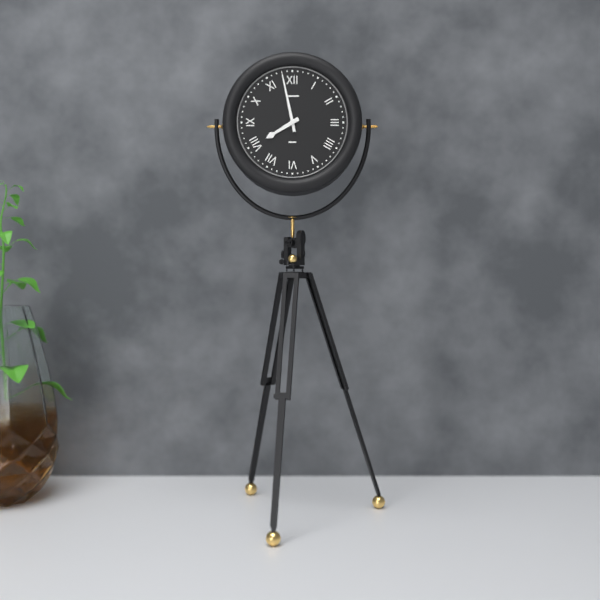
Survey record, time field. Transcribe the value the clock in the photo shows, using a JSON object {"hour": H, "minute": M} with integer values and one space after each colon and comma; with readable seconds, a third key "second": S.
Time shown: {"hour": 7, "minute": 58}
